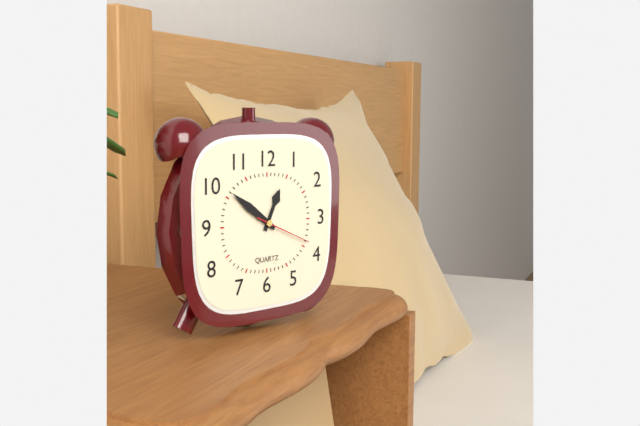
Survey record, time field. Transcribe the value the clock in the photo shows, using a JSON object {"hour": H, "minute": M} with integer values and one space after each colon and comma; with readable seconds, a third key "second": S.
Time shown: {"hour": 12, "minute": 51, "second": 19}
